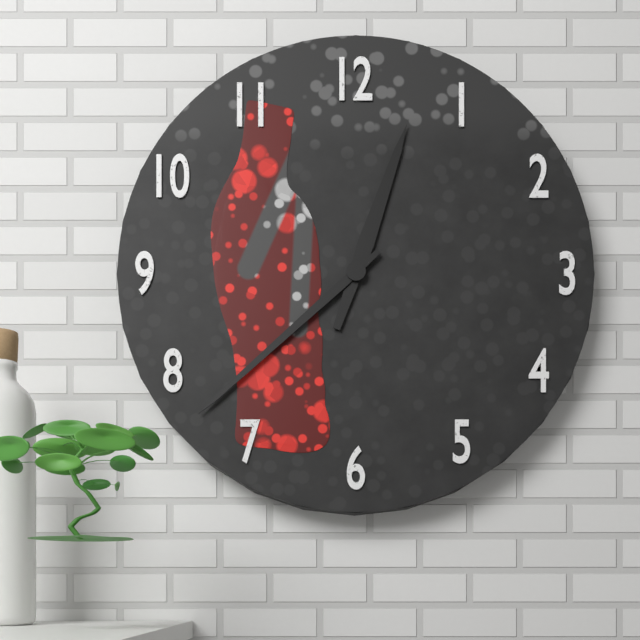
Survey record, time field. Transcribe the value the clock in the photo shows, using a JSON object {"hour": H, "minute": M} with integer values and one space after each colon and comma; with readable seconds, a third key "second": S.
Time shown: {"hour": 12, "minute": 38}
